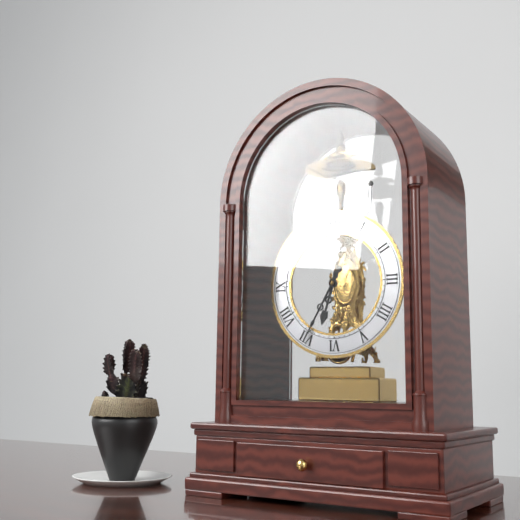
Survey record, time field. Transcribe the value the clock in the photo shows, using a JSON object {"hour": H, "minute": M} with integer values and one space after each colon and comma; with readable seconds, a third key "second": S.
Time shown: {"hour": 6, "minute": 35}
